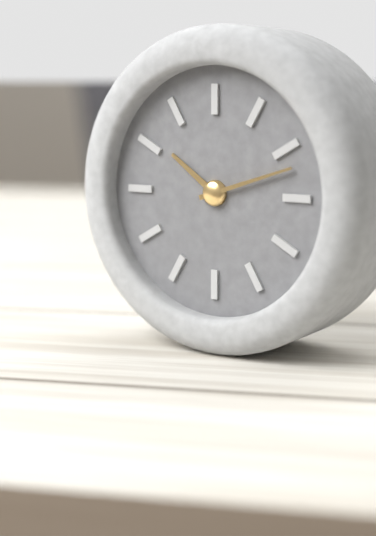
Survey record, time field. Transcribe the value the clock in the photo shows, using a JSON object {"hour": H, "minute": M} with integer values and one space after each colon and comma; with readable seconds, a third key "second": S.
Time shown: {"hour": 10, "minute": 12}
